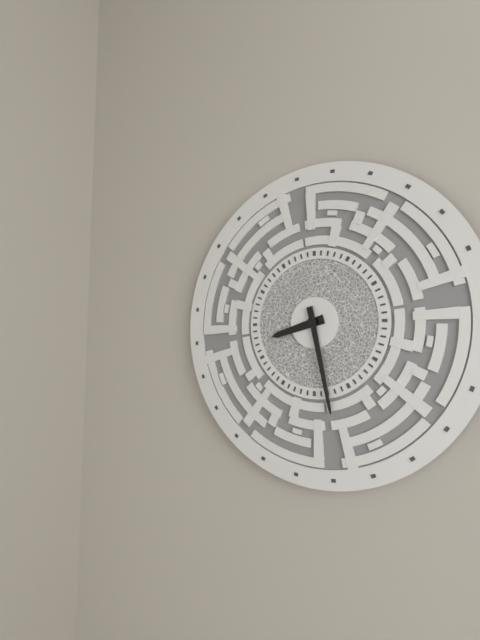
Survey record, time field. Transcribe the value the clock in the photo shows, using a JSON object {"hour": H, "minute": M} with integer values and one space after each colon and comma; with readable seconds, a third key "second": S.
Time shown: {"hour": 8, "minute": 28}
